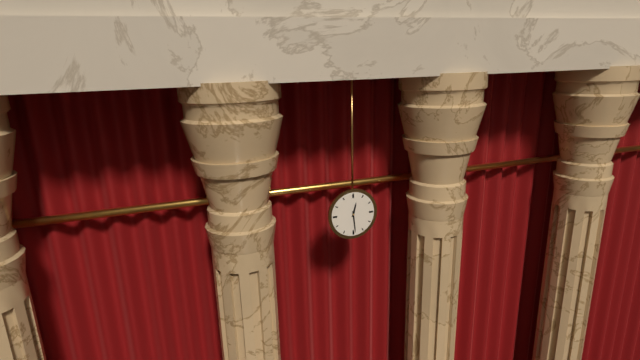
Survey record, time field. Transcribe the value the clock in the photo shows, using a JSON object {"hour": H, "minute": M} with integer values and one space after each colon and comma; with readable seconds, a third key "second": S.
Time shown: {"hour": 12, "minute": 29}
